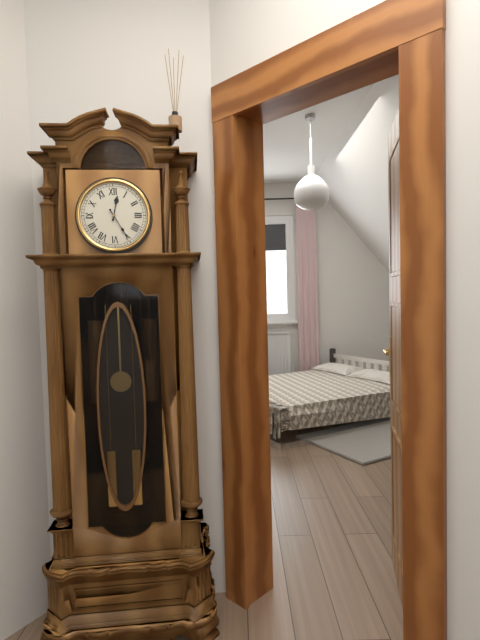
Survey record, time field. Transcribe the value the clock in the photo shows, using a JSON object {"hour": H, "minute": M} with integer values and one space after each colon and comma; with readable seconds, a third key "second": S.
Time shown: {"hour": 12, "minute": 25}
